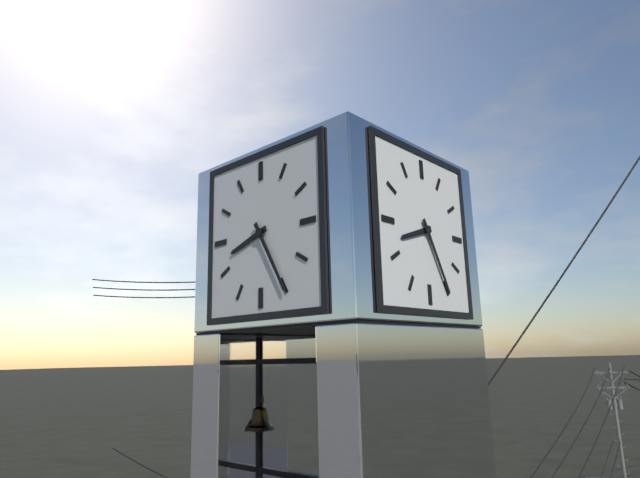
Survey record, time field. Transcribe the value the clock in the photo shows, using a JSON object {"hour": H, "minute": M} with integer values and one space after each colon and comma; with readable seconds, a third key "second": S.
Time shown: {"hour": 8, "minute": 25}
